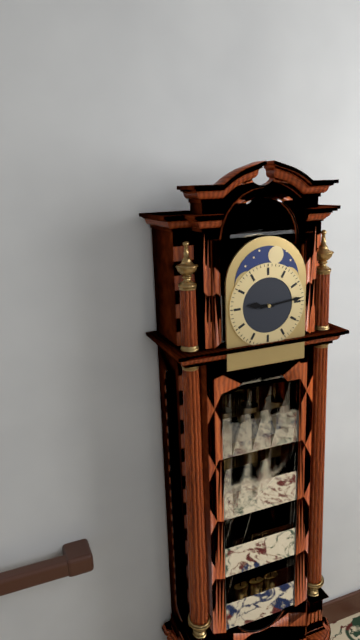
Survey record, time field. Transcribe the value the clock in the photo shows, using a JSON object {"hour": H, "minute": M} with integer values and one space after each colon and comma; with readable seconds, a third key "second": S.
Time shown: {"hour": 9, "minute": 14}
